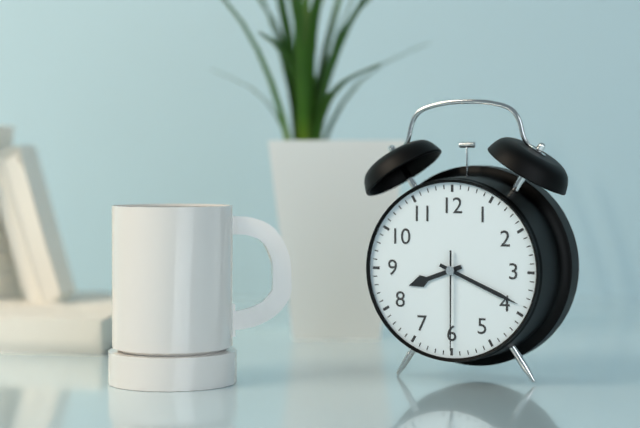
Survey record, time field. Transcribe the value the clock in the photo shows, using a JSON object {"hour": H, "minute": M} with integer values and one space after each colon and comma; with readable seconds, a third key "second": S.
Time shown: {"hour": 8, "minute": 19, "second": 30}
